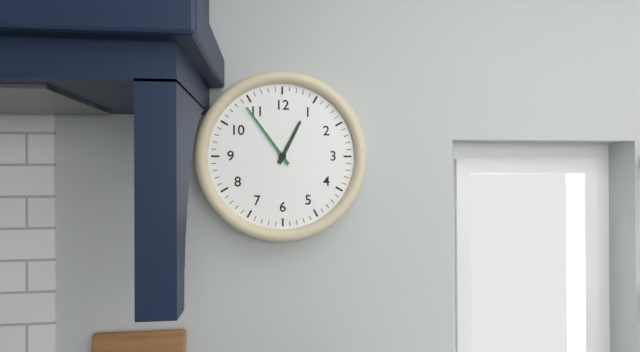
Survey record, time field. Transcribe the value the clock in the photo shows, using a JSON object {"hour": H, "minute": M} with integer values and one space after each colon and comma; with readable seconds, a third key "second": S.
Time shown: {"hour": 12, "minute": 54}
